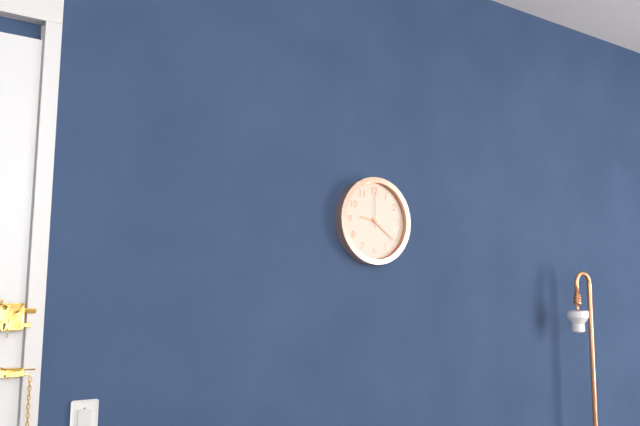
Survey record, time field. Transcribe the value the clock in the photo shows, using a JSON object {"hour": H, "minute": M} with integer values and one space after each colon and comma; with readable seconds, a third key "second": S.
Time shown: {"hour": 9, "minute": 21}
